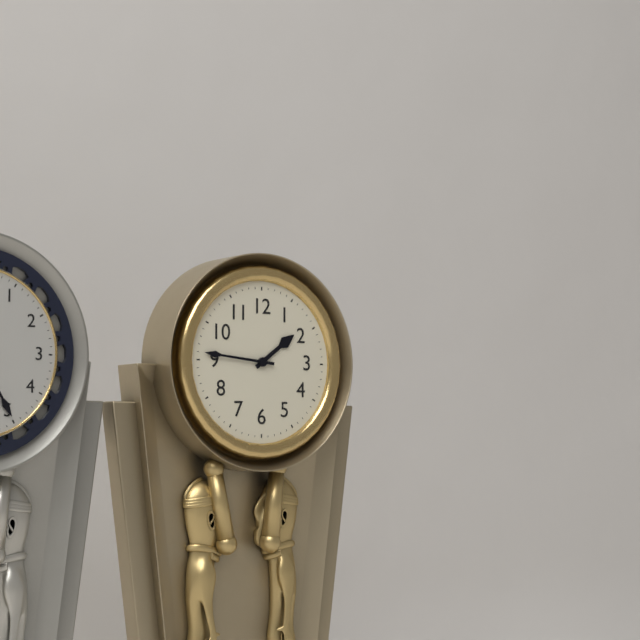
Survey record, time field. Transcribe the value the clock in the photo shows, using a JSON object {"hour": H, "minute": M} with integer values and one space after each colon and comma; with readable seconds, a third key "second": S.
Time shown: {"hour": 1, "minute": 46}
